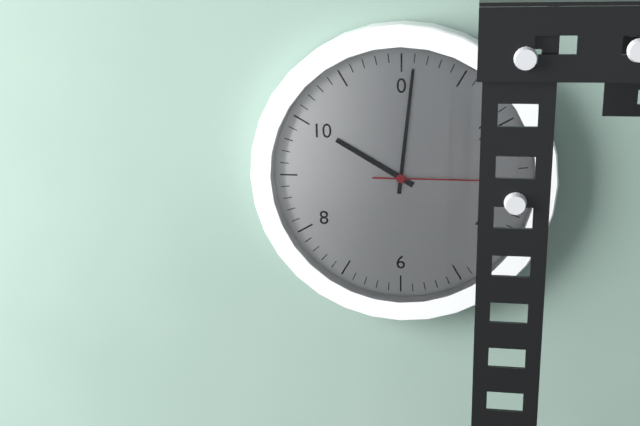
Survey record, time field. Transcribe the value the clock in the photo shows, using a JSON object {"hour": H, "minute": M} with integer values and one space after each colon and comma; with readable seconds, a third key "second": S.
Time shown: {"hour": 10, "minute": 1}
